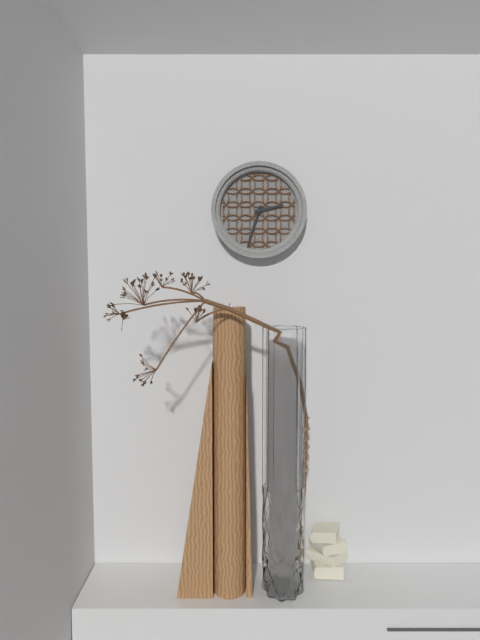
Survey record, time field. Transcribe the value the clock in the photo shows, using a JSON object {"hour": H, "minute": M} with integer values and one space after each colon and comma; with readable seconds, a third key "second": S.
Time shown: {"hour": 2, "minute": 33}
